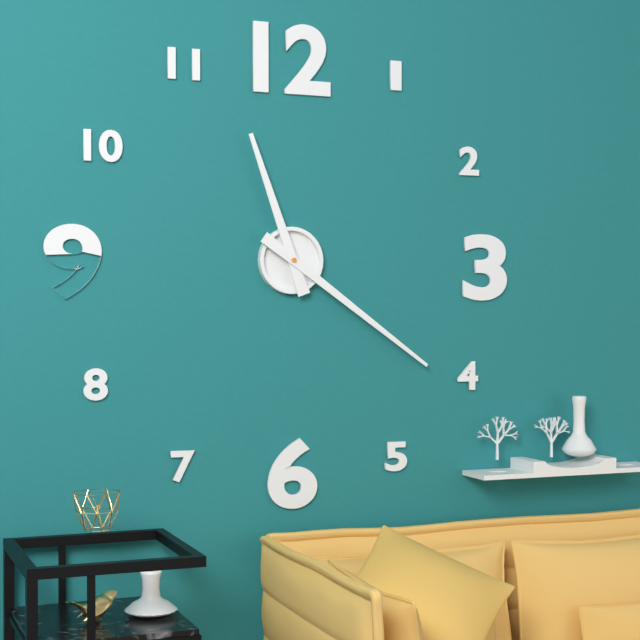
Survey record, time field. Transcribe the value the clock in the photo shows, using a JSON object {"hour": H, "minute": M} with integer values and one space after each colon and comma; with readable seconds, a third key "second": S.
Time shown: {"hour": 11, "minute": 21}
